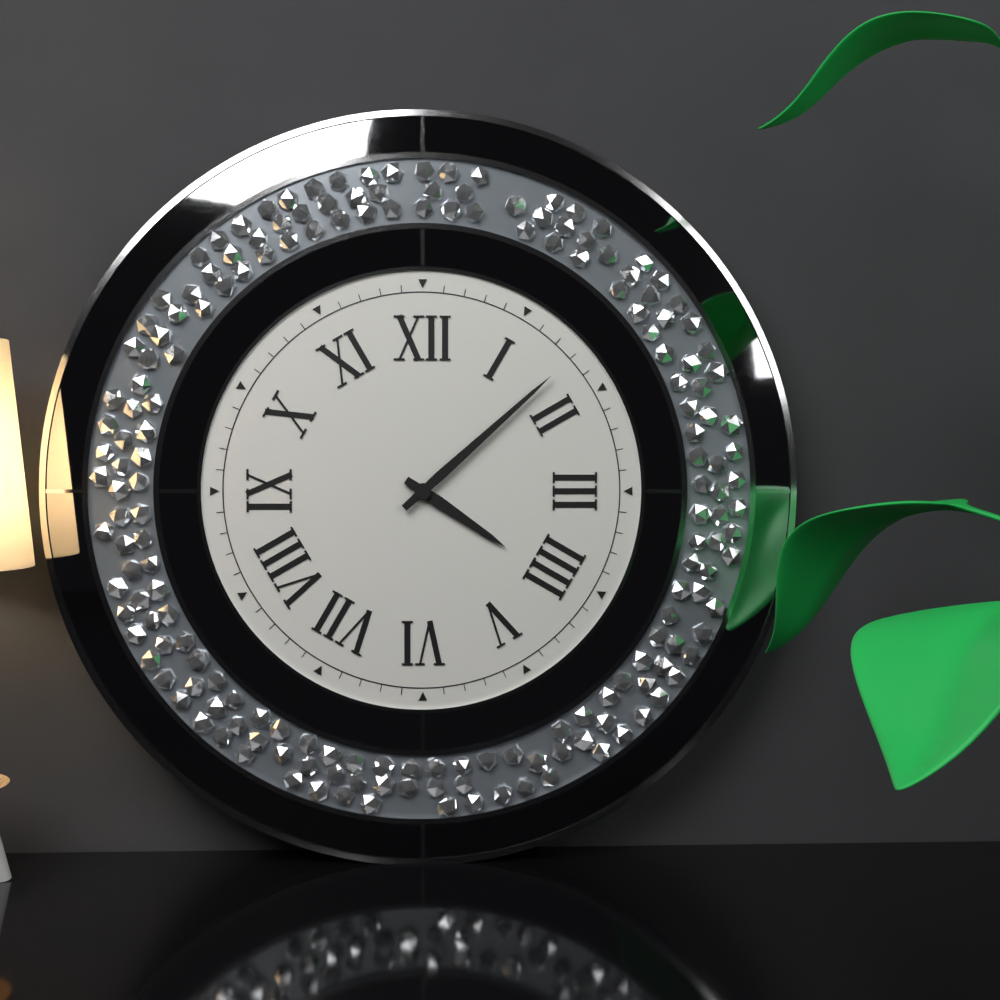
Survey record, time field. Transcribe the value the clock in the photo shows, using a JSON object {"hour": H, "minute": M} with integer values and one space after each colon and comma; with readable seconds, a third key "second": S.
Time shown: {"hour": 4, "minute": 8}
